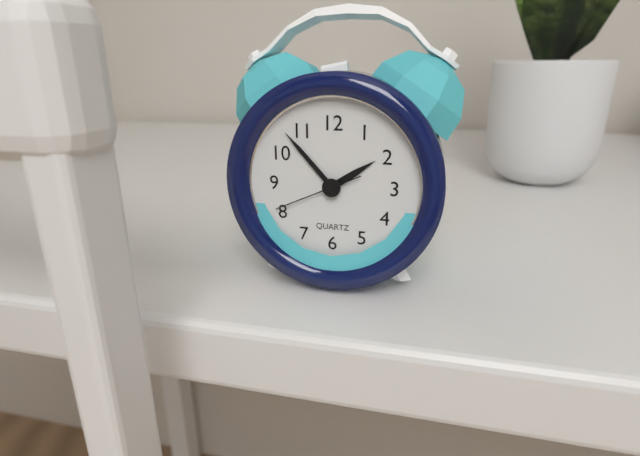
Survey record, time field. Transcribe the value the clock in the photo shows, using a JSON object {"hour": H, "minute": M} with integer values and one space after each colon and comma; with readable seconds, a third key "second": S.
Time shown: {"hour": 1, "minute": 53, "second": 41}
